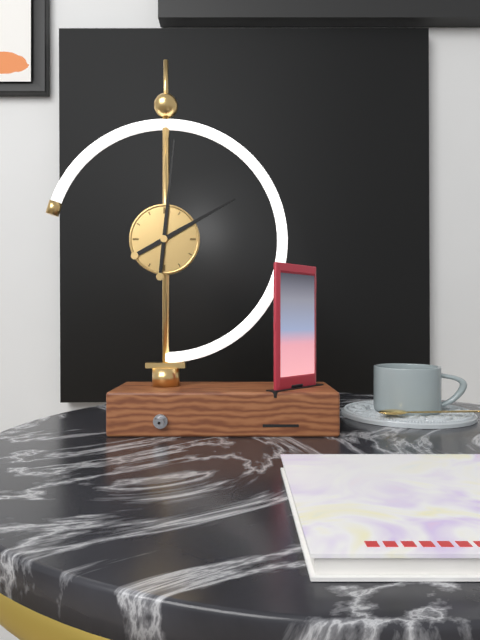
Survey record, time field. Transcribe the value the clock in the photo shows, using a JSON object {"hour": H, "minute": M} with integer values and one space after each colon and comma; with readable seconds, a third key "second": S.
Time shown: {"hour": 2, "minute": 1}
